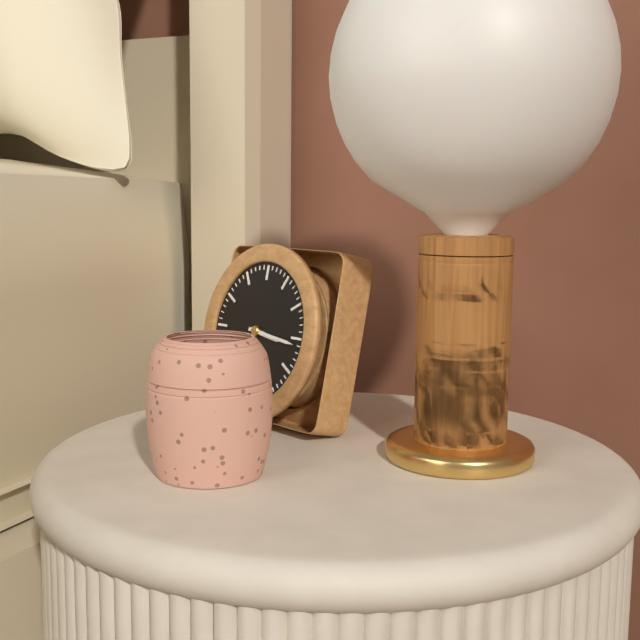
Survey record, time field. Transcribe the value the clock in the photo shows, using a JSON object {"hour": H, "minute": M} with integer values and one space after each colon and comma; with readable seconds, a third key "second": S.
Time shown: {"hour": 3, "minute": 16}
